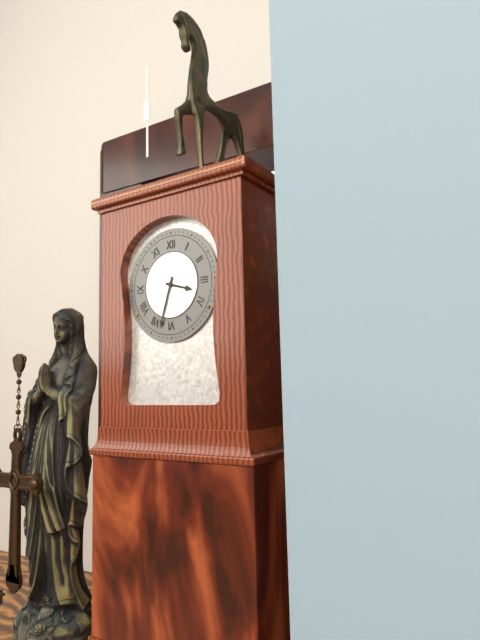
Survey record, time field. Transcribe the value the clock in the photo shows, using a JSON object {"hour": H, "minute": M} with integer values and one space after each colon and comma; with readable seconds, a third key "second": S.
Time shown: {"hour": 3, "minute": 33}
